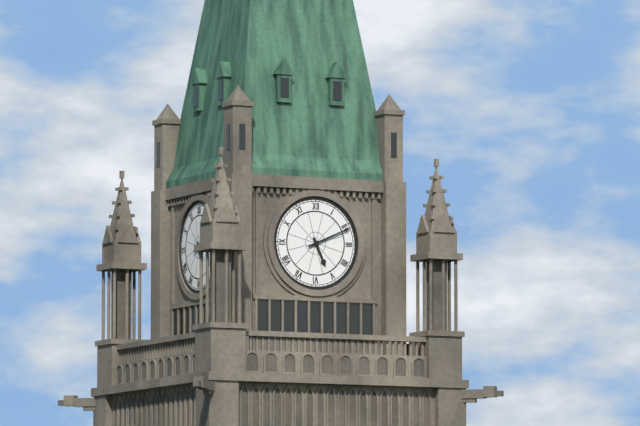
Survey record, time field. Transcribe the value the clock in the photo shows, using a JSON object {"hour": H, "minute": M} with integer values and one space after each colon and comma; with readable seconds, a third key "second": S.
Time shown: {"hour": 5, "minute": 11}
